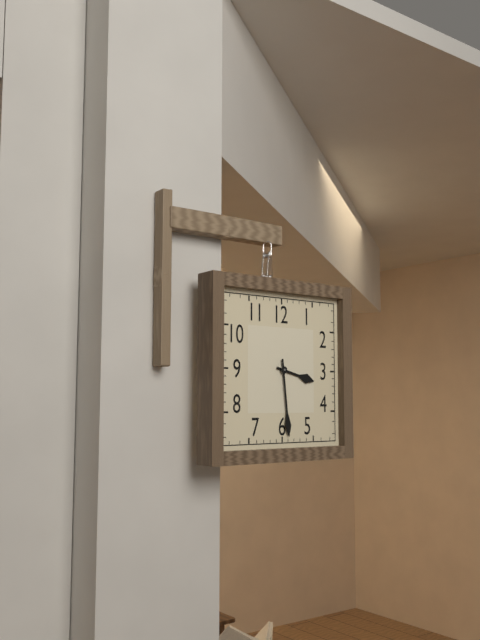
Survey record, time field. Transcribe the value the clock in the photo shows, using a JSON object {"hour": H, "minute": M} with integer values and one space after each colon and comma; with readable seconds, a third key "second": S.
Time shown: {"hour": 3, "minute": 29}
